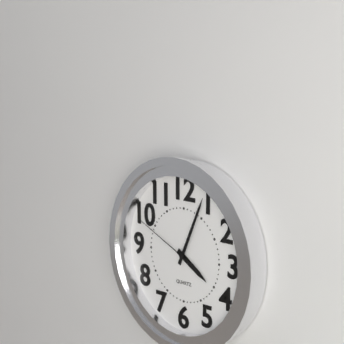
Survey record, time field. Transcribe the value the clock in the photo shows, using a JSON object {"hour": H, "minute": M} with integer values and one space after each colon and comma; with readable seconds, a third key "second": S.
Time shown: {"hour": 4, "minute": 4, "second": 49}
